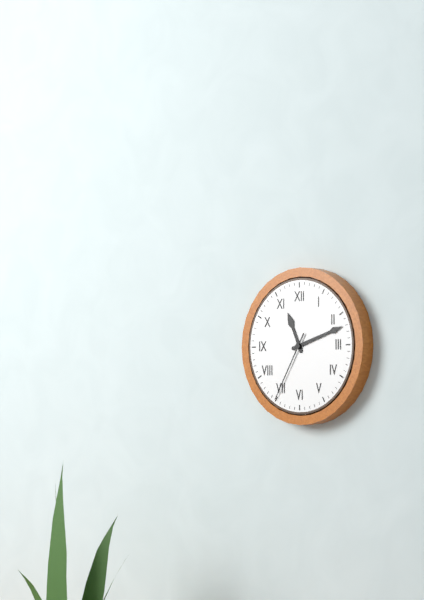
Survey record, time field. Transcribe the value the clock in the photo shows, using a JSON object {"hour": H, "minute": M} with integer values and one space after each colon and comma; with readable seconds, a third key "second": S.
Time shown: {"hour": 11, "minute": 12, "second": 35}
